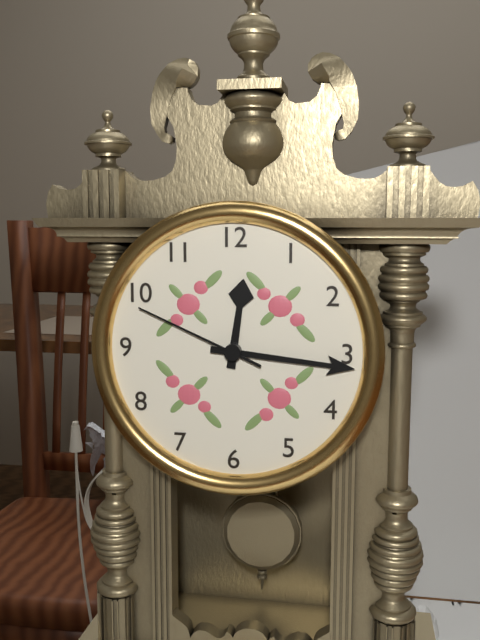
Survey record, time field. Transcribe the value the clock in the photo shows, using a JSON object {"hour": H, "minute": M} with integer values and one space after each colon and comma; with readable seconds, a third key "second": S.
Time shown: {"hour": 12, "minute": 16, "second": 49}
